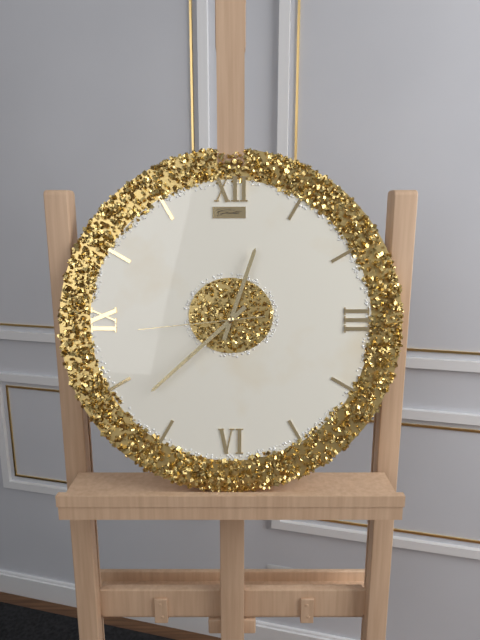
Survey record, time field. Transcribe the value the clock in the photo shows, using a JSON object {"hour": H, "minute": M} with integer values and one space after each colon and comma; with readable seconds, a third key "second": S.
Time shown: {"hour": 12, "minute": 38, "second": 44}
